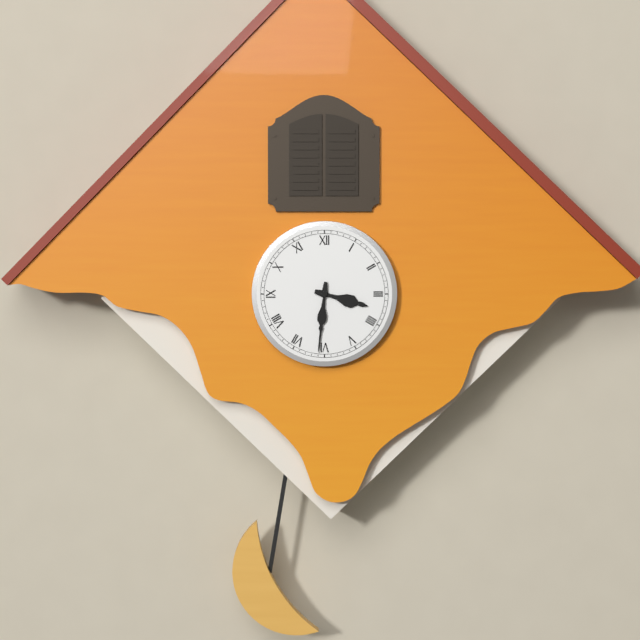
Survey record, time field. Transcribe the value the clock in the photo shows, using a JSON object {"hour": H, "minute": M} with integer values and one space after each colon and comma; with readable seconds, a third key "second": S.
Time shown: {"hour": 3, "minute": 31}
